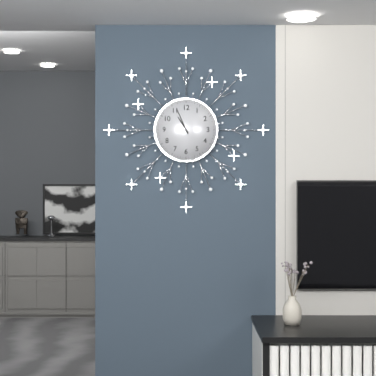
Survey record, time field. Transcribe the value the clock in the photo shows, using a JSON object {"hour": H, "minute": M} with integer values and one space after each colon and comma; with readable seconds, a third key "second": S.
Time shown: {"hour": 10, "minute": 56}
